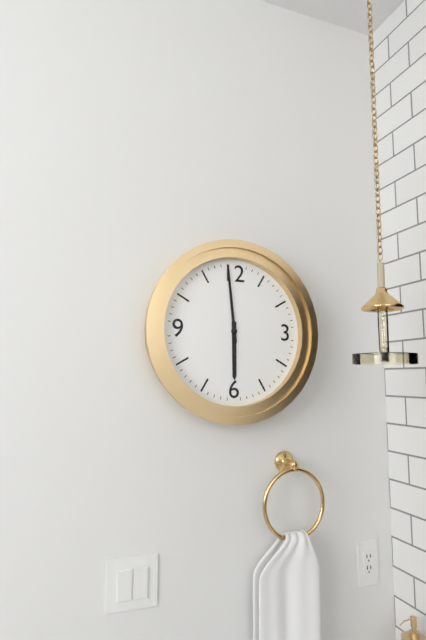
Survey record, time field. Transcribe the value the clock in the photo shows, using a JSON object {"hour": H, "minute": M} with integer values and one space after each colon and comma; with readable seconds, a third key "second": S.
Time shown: {"hour": 5, "minute": 59}
